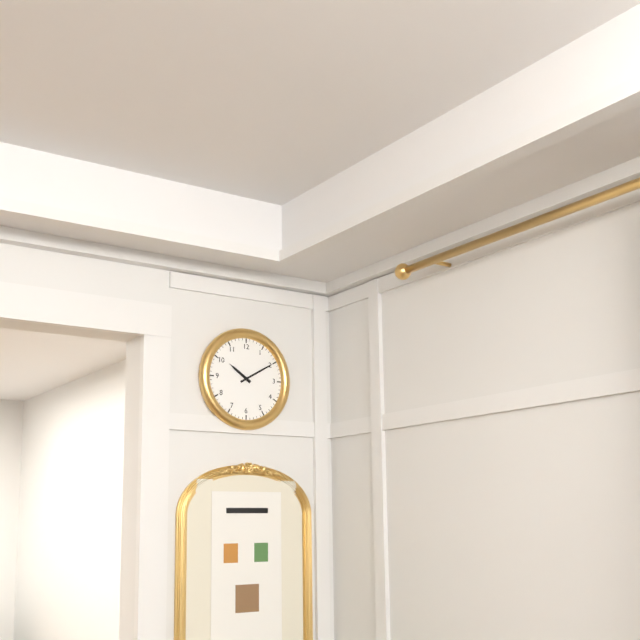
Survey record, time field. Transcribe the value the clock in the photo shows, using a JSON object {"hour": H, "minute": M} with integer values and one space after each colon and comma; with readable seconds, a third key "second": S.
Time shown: {"hour": 10, "minute": 10}
